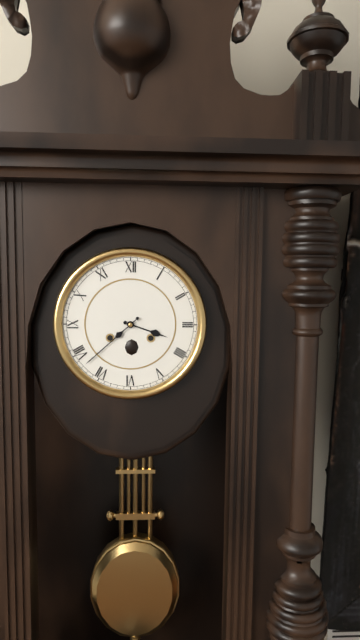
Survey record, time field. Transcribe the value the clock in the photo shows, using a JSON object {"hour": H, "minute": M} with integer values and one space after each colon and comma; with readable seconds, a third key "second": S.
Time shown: {"hour": 3, "minute": 38}
